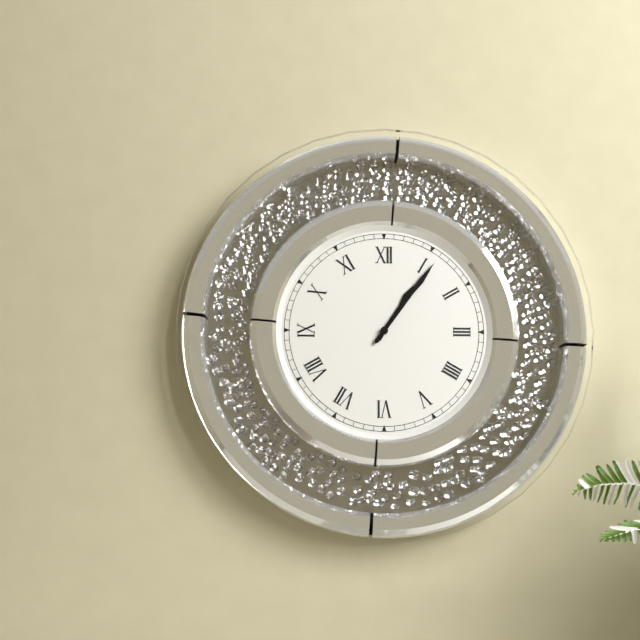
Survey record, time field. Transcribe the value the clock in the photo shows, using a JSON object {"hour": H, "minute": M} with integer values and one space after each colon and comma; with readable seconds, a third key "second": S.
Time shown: {"hour": 1, "minute": 6}
